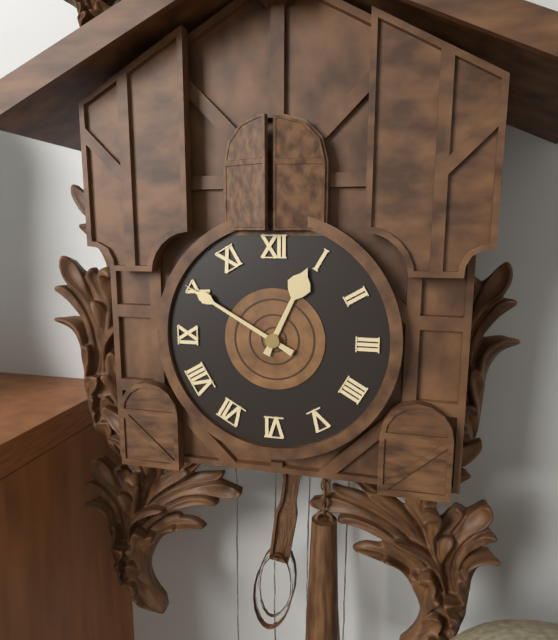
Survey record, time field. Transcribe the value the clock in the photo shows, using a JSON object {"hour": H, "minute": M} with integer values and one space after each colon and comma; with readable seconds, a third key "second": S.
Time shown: {"hour": 12, "minute": 50}
